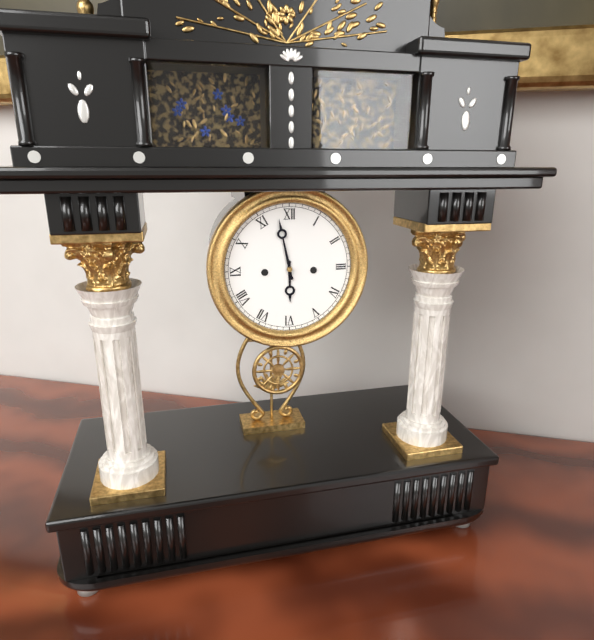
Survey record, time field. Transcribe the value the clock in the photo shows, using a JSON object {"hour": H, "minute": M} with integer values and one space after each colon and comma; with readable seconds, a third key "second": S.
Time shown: {"hour": 5, "minute": 58}
